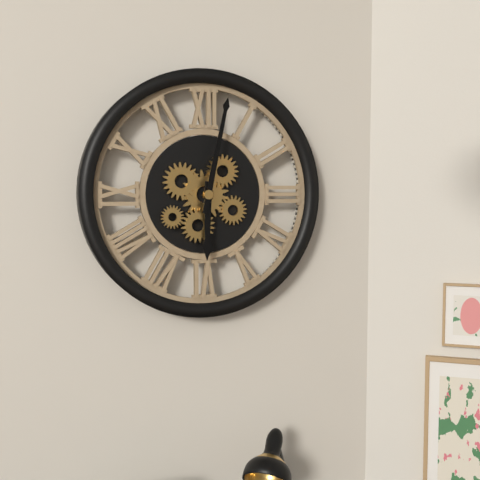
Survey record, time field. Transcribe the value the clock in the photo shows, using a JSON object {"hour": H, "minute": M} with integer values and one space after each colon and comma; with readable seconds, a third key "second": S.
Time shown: {"hour": 6, "minute": 2}
